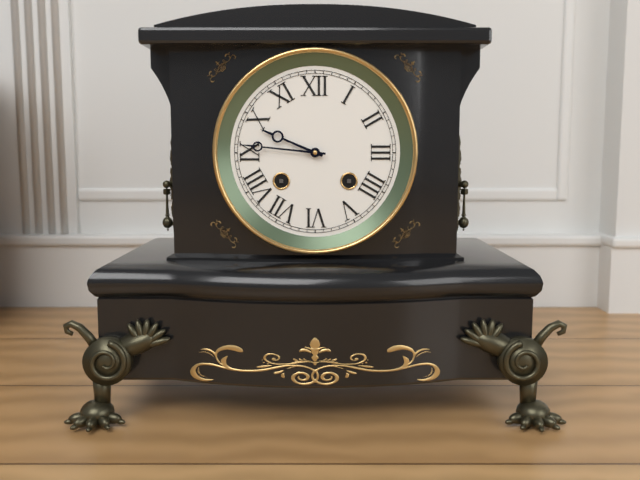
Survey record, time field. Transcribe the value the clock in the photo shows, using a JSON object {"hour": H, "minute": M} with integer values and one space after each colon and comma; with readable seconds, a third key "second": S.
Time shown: {"hour": 9, "minute": 46}
